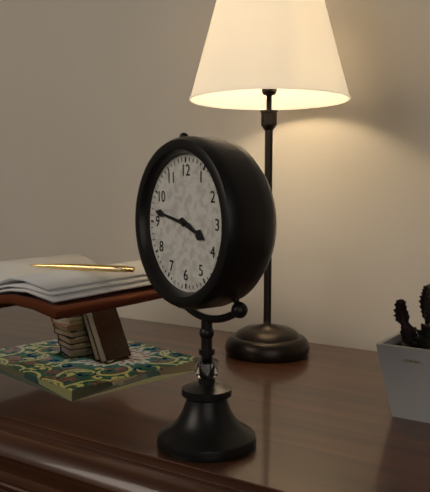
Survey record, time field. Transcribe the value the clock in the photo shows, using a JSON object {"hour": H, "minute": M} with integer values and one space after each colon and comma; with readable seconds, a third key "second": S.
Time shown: {"hour": 3, "minute": 47}
